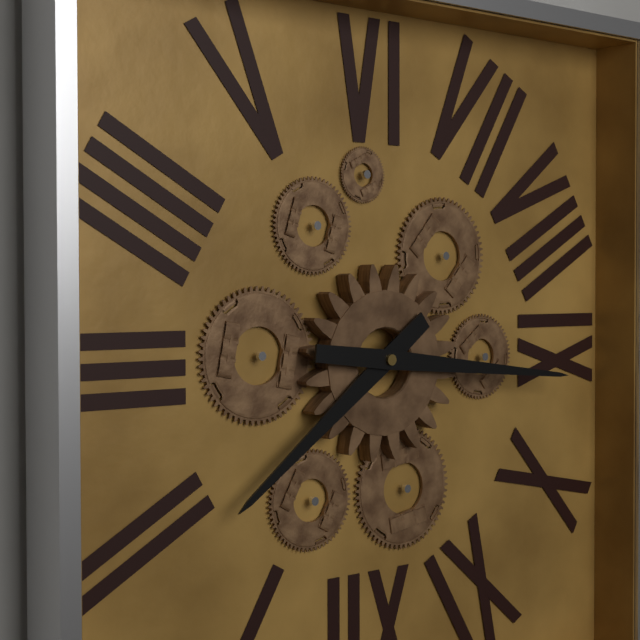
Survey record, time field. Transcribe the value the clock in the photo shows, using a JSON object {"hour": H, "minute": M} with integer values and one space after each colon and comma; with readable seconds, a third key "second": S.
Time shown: {"hour": 1, "minute": 46}
